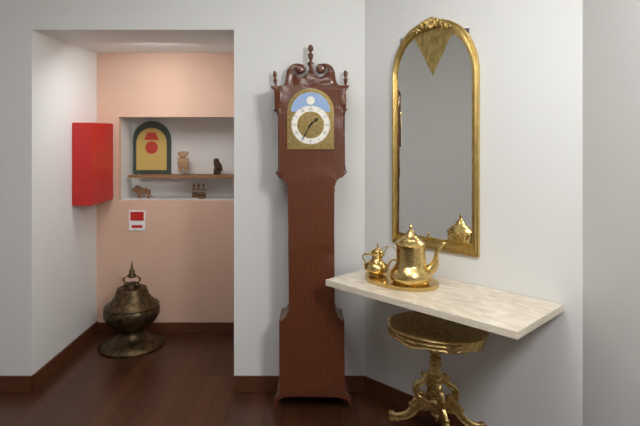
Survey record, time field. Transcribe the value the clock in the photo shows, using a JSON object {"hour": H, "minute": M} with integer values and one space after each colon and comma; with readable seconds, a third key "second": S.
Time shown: {"hour": 1, "minute": 35}
